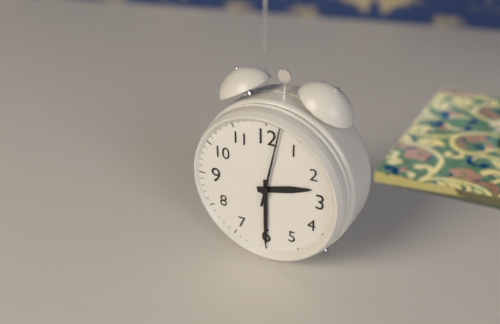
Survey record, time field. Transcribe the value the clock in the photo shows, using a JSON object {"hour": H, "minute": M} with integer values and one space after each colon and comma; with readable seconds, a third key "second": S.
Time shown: {"hour": 2, "minute": 30, "second": 2}
